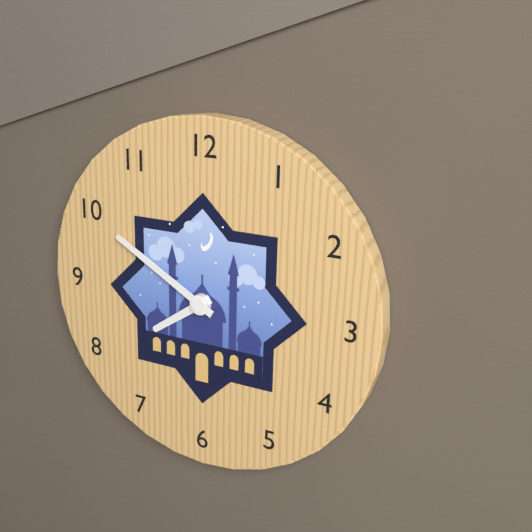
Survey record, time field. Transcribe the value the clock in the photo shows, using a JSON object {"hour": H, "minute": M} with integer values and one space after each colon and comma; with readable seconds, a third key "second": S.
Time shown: {"hour": 7, "minute": 50}
